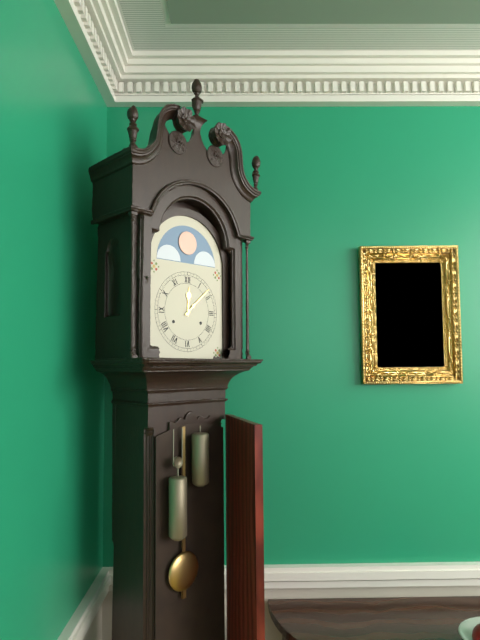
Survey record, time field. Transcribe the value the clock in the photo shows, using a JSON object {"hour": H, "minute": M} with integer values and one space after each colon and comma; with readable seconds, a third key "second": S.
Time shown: {"hour": 12, "minute": 8}
